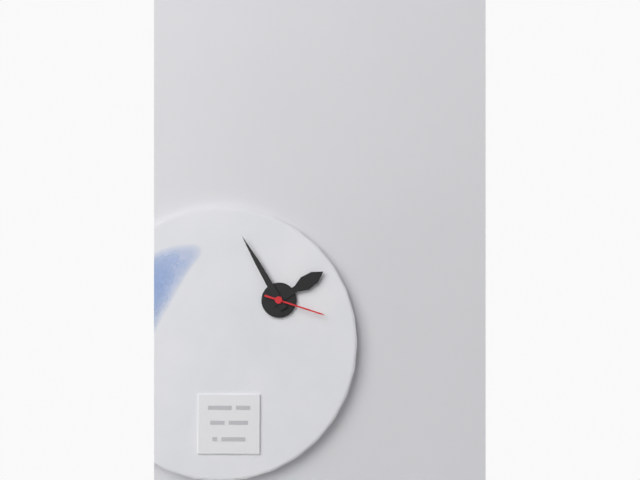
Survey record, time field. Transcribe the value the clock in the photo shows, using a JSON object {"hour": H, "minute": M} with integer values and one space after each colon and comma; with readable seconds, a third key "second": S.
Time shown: {"hour": 1, "minute": 55, "second": 18}
